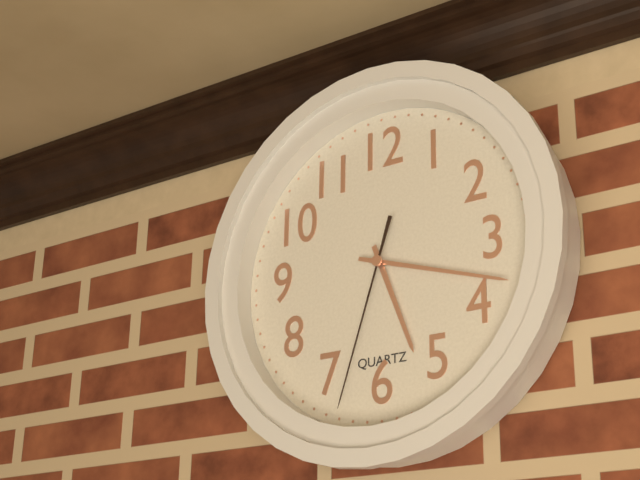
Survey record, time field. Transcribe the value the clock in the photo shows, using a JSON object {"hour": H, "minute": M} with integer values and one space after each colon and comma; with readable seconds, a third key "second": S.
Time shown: {"hour": 5, "minute": 18, "second": 33}
